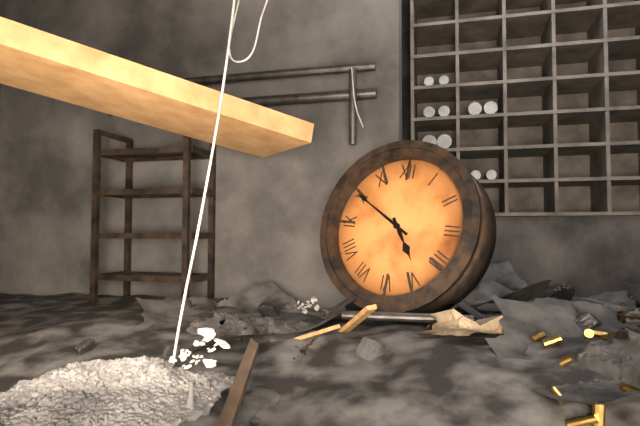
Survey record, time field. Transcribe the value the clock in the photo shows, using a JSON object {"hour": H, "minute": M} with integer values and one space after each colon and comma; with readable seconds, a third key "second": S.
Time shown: {"hour": 4, "minute": 50}
